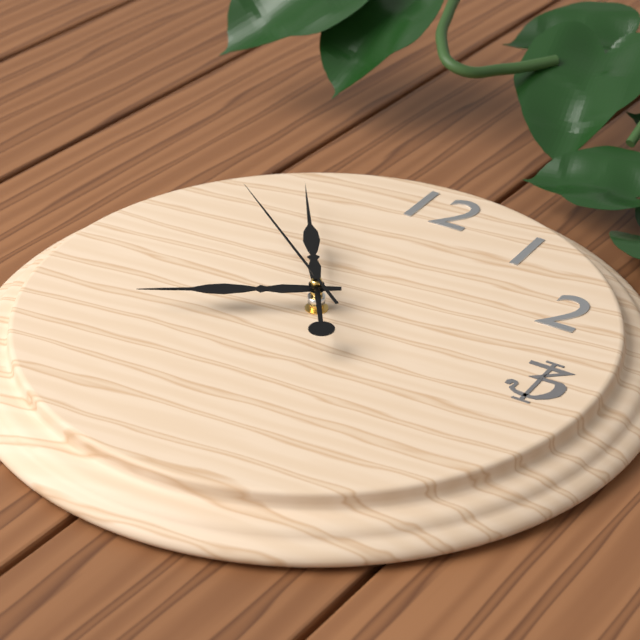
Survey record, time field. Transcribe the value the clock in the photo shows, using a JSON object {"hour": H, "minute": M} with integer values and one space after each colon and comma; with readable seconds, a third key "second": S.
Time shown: {"hour": 7, "minute": 54, "second": 51}
